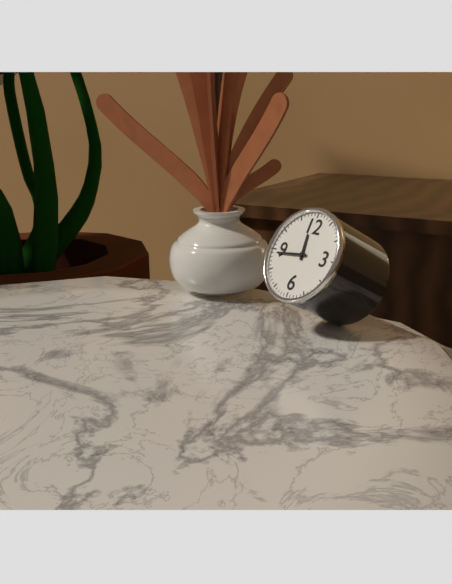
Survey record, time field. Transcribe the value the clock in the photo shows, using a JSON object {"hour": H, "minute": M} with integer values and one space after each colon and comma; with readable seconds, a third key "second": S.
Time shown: {"hour": 11, "minute": 44}
